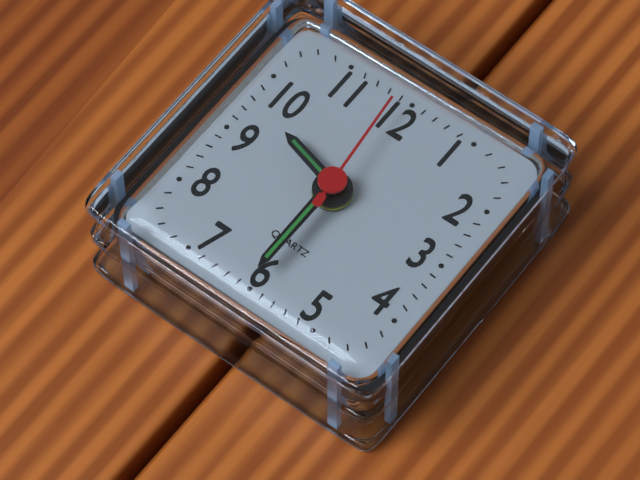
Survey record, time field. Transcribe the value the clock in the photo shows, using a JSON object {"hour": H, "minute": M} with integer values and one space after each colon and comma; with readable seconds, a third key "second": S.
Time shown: {"hour": 9, "minute": 30, "second": 59}
